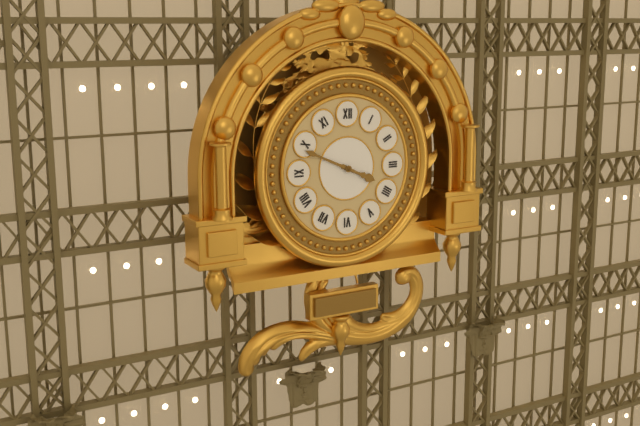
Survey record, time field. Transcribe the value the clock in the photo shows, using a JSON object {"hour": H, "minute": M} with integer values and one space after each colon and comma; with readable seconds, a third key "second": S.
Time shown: {"hour": 3, "minute": 49}
